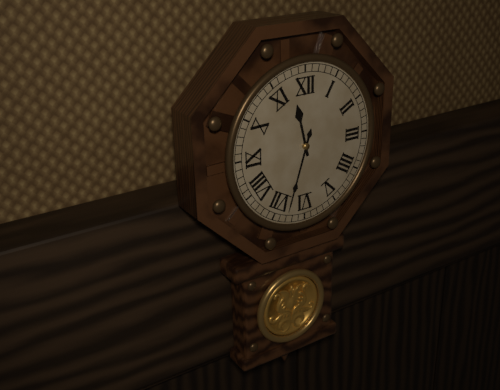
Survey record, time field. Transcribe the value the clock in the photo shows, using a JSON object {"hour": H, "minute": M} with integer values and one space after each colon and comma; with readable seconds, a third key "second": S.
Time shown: {"hour": 11, "minute": 33}
